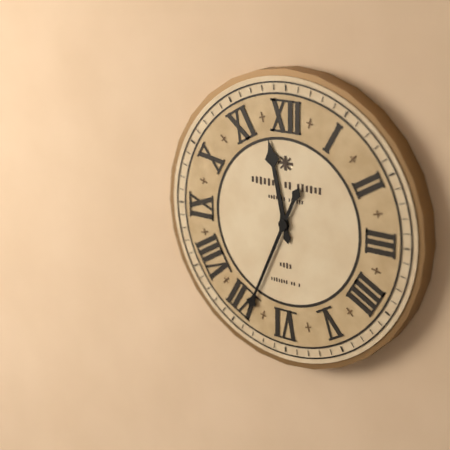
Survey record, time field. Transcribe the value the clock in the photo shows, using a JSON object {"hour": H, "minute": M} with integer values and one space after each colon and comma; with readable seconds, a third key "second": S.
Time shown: {"hour": 11, "minute": 34}
